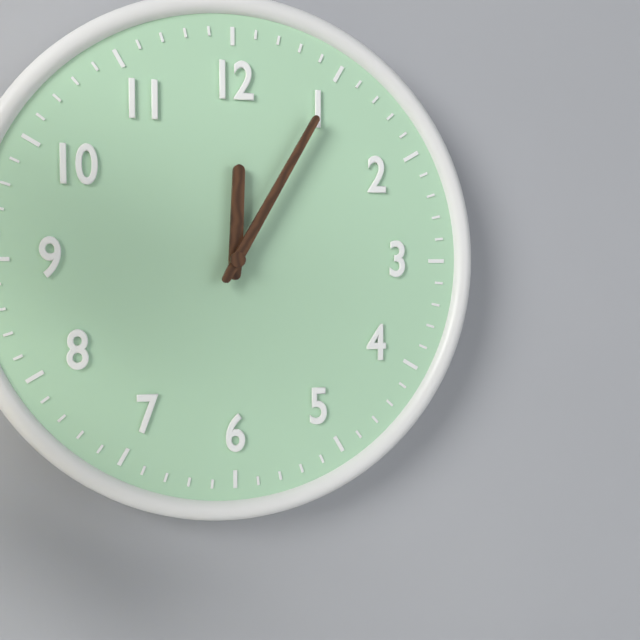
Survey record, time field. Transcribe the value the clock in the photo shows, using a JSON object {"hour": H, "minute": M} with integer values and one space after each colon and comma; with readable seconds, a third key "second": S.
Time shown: {"hour": 12, "minute": 5}
